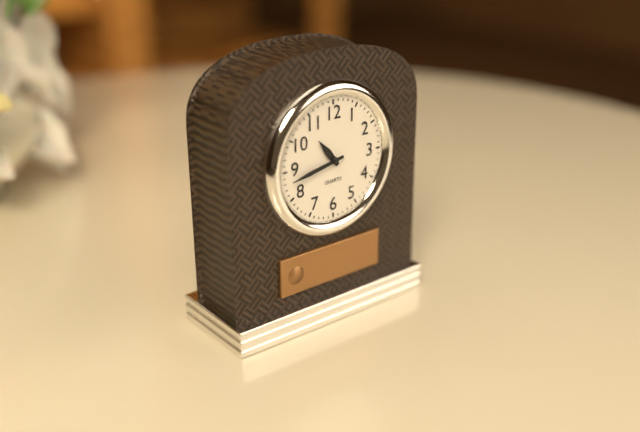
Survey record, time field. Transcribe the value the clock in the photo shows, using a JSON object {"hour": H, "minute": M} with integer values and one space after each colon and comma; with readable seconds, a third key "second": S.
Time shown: {"hour": 10, "minute": 43}
